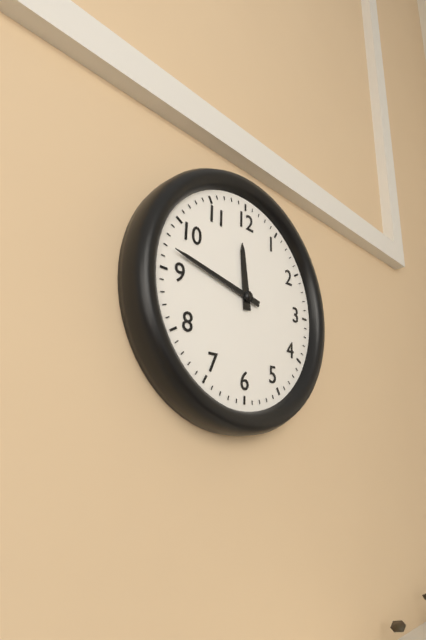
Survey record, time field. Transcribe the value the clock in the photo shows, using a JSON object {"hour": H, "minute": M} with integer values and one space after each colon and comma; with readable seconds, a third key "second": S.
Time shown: {"hour": 11, "minute": 47}
